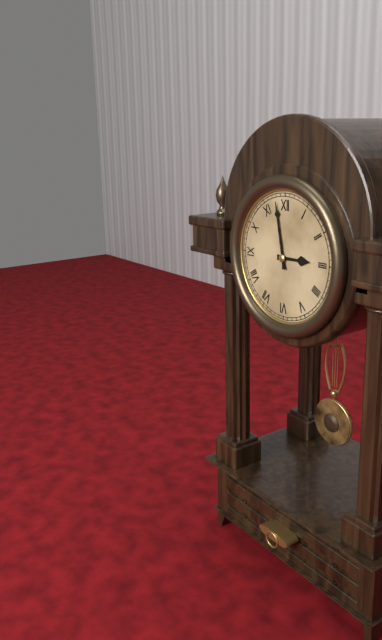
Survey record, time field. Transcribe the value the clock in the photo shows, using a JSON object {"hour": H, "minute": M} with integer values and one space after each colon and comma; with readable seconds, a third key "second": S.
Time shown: {"hour": 2, "minute": 58}
